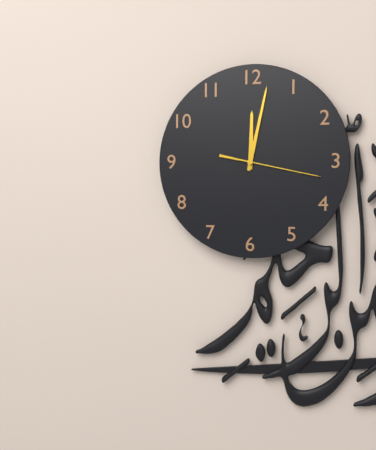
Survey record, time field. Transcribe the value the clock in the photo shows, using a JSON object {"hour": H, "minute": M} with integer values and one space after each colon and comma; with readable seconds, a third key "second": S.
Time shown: {"hour": 12, "minute": 2, "second": 17}
